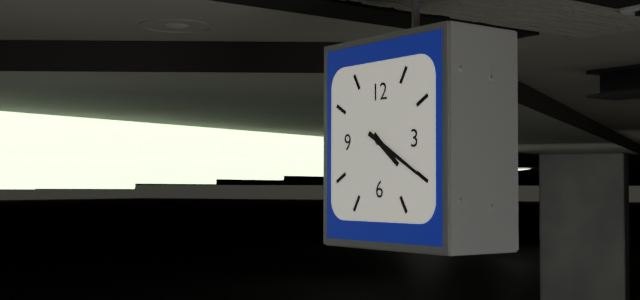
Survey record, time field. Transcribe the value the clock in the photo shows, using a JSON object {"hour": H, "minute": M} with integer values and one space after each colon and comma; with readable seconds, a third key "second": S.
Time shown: {"hour": 4, "minute": 20}
